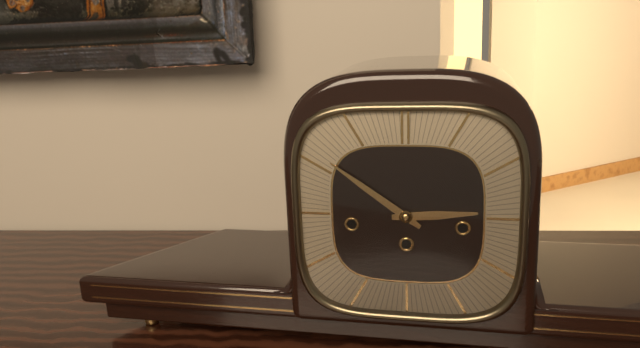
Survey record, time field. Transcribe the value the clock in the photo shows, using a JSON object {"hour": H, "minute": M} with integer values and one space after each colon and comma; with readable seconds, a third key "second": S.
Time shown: {"hour": 2, "minute": 51}
